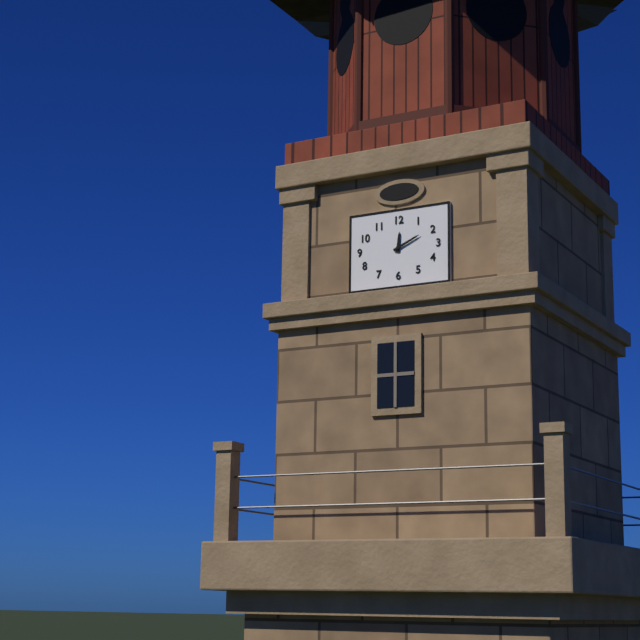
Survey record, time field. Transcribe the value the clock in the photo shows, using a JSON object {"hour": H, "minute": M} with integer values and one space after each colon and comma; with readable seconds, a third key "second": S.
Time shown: {"hour": 12, "minute": 11}
